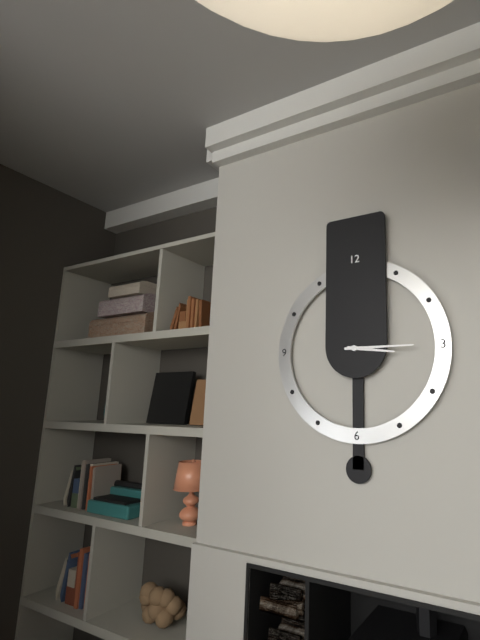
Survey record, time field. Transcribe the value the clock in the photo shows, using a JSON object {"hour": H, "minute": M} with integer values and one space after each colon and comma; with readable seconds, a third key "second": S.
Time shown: {"hour": 3, "minute": 15}
